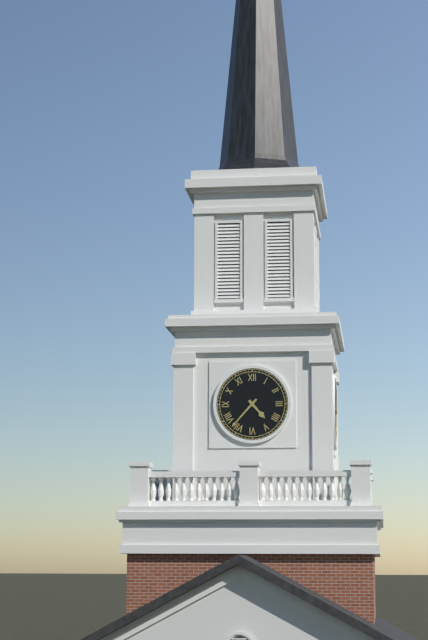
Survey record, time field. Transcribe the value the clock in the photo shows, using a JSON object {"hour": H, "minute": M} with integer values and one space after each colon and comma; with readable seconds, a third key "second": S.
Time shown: {"hour": 4, "minute": 37}
